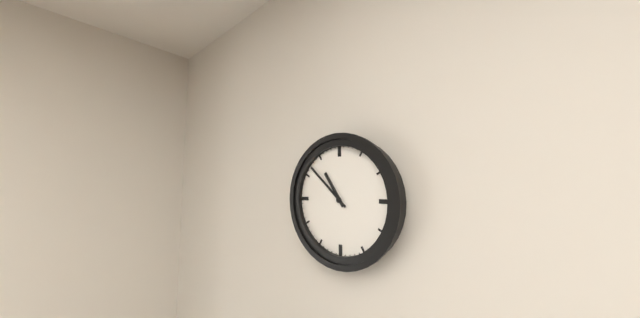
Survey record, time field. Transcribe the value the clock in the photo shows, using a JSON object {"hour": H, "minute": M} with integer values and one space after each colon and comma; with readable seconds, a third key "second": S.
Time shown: {"hour": 10, "minute": 52}
